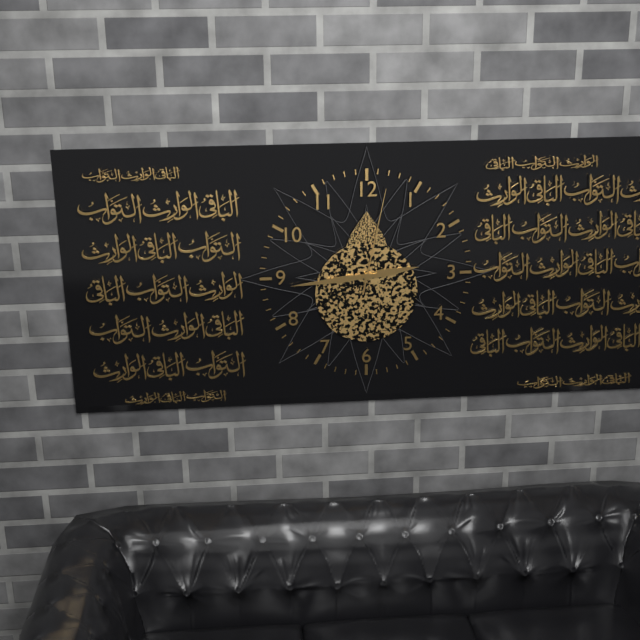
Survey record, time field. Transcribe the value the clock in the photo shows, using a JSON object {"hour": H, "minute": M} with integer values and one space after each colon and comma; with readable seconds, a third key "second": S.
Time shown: {"hour": 2, "minute": 44, "second": 2}
